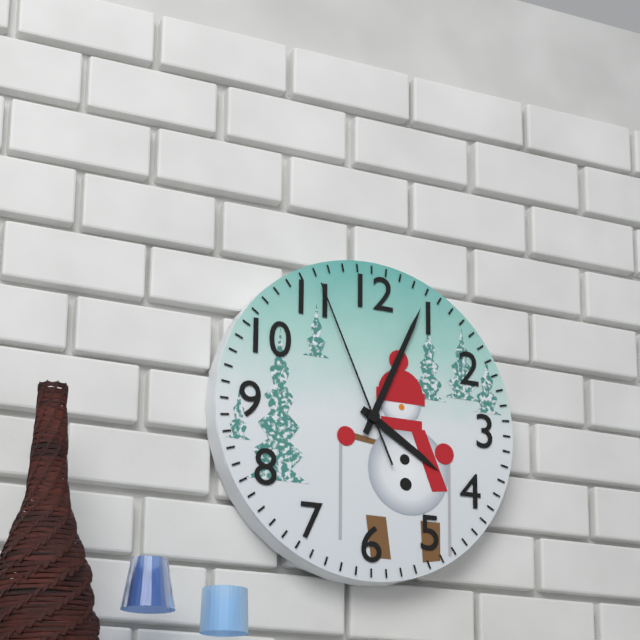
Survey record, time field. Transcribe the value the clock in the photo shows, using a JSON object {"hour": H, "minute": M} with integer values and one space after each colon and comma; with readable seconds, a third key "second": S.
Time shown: {"hour": 4, "minute": 4, "second": 56}
